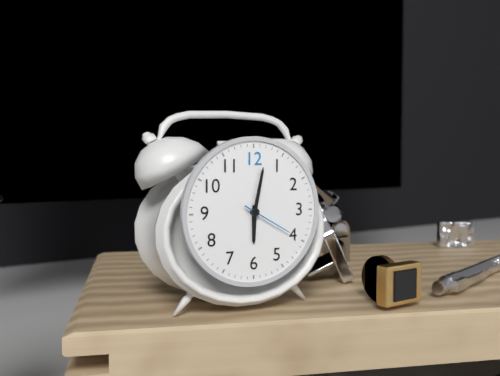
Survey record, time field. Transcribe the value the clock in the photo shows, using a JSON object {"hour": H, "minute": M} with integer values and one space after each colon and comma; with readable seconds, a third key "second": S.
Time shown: {"hour": 6, "minute": 2, "second": 20}
